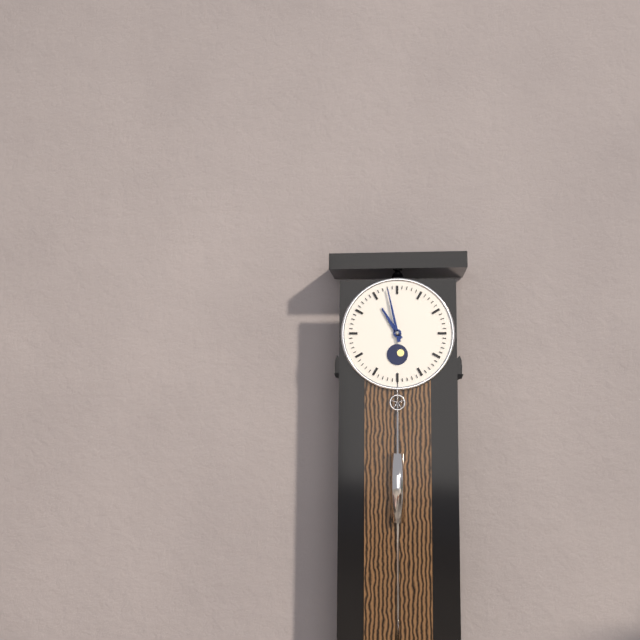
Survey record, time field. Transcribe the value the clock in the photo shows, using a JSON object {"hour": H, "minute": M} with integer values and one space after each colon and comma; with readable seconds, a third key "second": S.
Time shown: {"hour": 10, "minute": 58}
